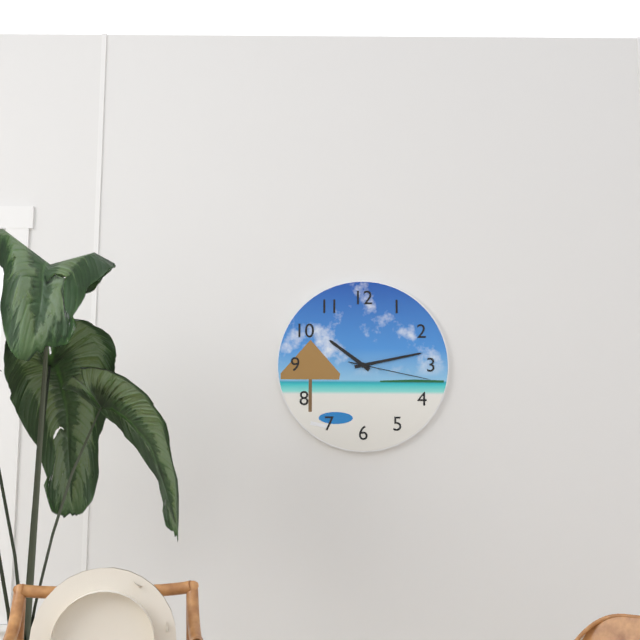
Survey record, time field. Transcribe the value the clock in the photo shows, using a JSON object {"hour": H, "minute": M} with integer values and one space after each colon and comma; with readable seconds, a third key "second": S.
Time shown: {"hour": 10, "minute": 13, "second": 17}
